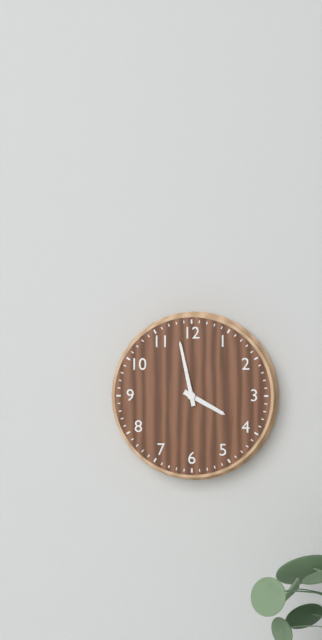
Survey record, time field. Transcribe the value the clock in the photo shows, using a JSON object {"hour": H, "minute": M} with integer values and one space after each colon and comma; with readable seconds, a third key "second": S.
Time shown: {"hour": 3, "minute": 58}
